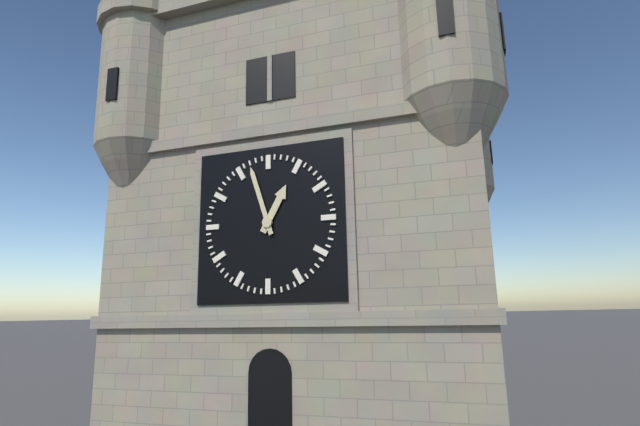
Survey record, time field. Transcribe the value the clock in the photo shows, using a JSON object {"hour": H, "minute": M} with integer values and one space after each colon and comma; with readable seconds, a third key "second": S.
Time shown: {"hour": 12, "minute": 57}
